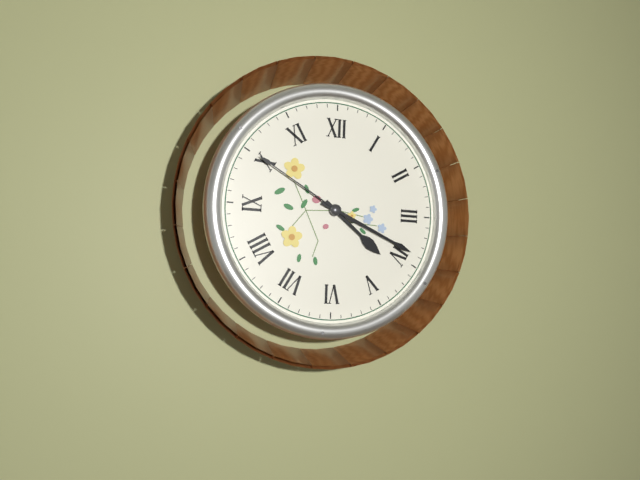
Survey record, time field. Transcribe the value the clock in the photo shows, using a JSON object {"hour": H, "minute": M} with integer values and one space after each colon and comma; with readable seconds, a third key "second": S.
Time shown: {"hour": 4, "minute": 19, "second": 50}
